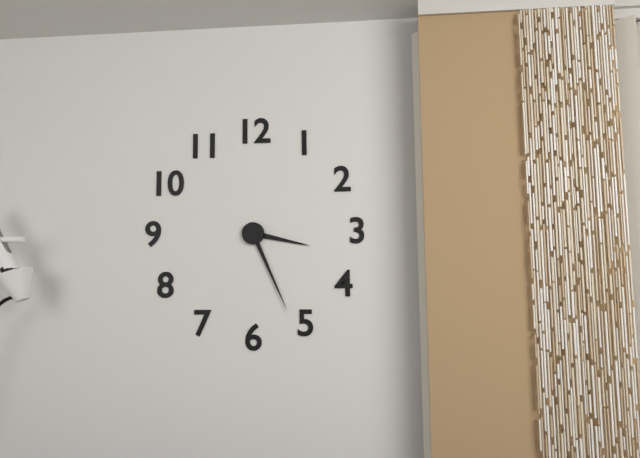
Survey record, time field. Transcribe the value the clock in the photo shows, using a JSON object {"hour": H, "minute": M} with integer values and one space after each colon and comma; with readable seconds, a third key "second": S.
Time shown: {"hour": 3, "minute": 26}
